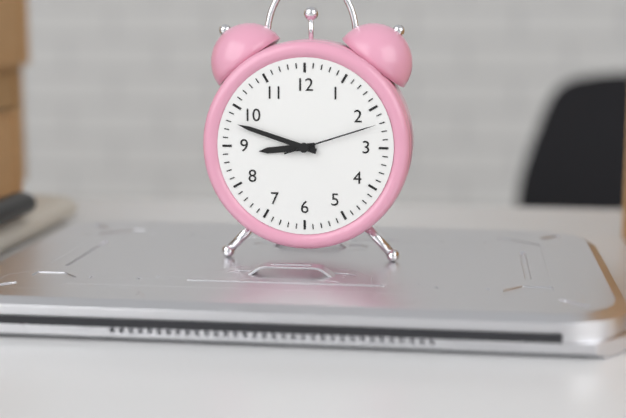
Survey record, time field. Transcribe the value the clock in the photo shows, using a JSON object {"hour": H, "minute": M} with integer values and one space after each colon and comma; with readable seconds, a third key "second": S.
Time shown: {"hour": 8, "minute": 48, "second": 12}
